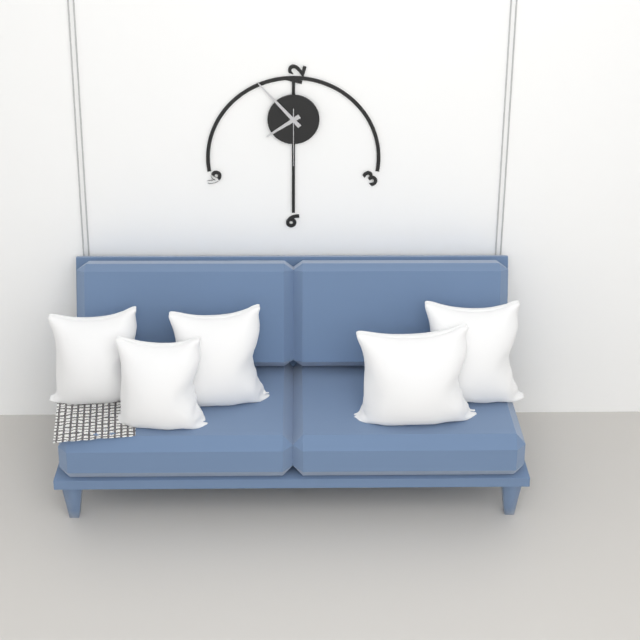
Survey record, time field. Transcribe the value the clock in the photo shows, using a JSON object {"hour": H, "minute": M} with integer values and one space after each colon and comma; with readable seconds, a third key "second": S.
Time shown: {"hour": 7, "minute": 53, "second": 30}
